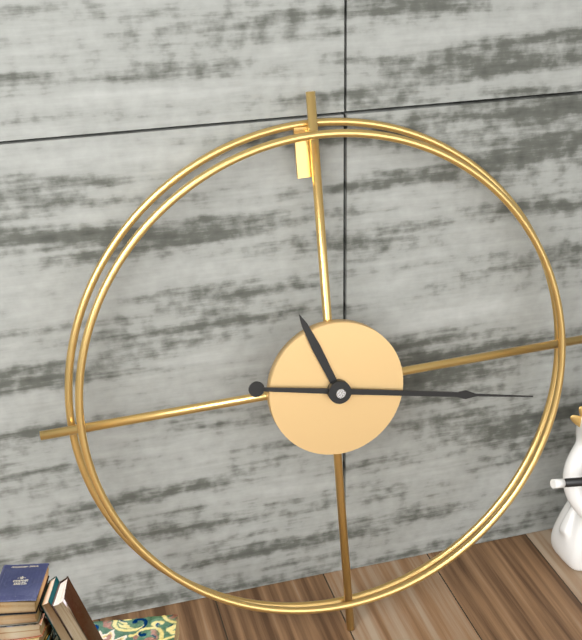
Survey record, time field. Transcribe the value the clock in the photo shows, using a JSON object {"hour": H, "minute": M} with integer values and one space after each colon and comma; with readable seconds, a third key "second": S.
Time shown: {"hour": 11, "minute": 17}
